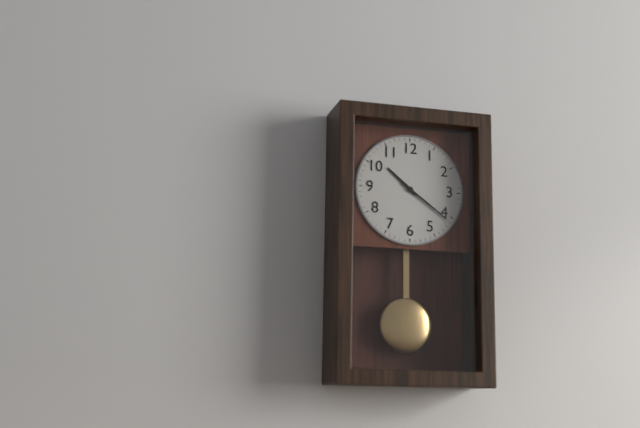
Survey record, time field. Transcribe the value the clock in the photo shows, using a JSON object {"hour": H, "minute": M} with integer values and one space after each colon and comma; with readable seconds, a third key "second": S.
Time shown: {"hour": 10, "minute": 21}
